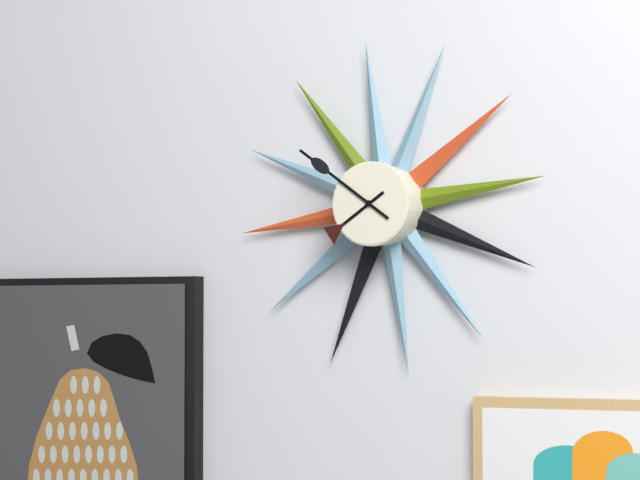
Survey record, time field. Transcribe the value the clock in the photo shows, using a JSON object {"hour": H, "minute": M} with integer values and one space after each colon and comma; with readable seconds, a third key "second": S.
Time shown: {"hour": 7, "minute": 51}
